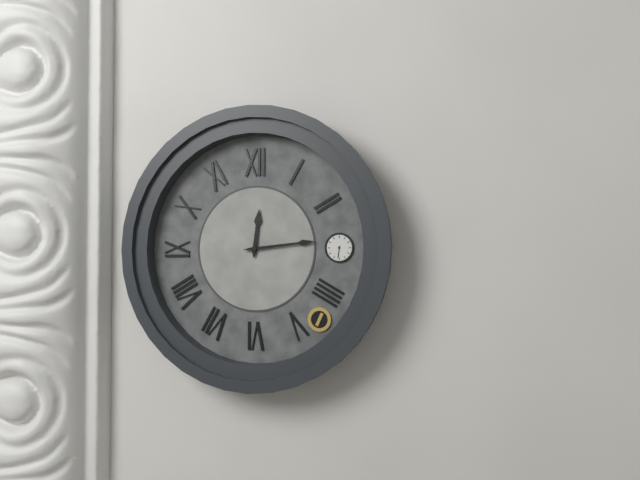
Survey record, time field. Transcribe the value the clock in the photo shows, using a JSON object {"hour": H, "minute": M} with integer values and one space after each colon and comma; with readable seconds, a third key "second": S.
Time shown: {"hour": 12, "minute": 14}
